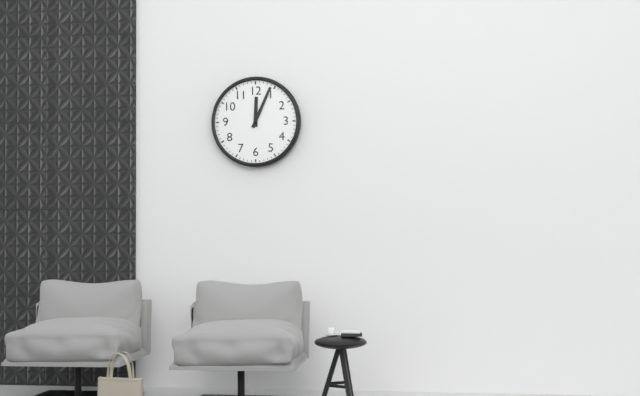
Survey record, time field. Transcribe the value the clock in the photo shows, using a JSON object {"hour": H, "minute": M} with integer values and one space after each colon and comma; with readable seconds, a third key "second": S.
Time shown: {"hour": 12, "minute": 4}
